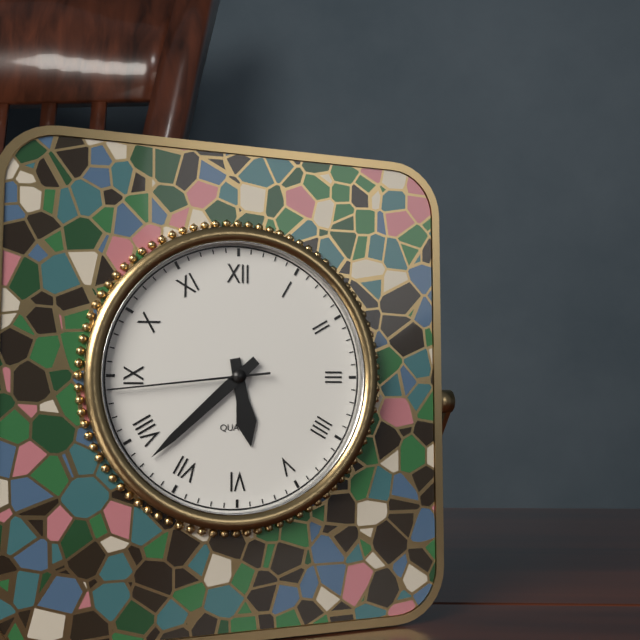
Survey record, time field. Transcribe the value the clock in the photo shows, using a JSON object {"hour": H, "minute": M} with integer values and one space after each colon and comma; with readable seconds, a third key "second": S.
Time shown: {"hour": 5, "minute": 38, "second": 44}
